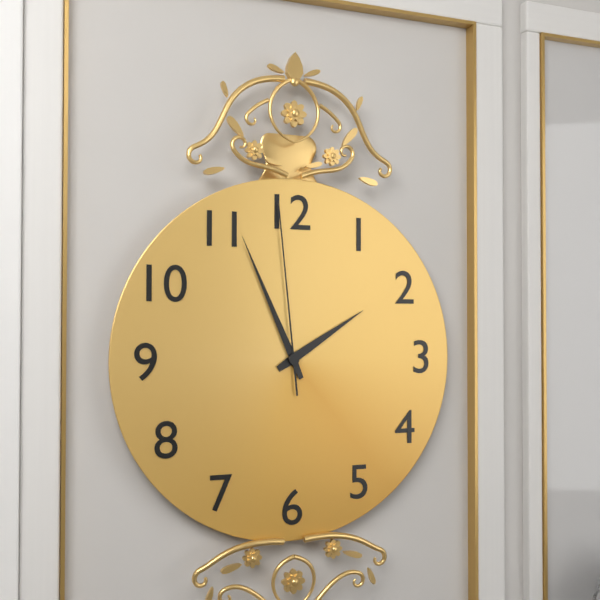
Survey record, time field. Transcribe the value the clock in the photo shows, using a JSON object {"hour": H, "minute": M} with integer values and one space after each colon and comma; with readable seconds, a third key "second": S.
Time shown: {"hour": 1, "minute": 56, "second": 59}
